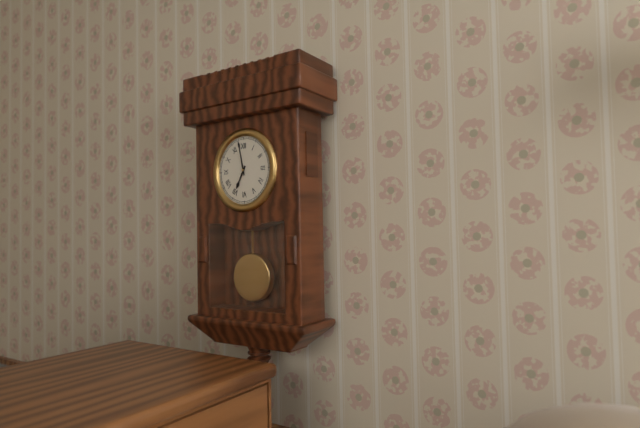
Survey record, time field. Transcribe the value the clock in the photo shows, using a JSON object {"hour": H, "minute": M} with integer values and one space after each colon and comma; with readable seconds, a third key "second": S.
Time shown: {"hour": 6, "minute": 58}
